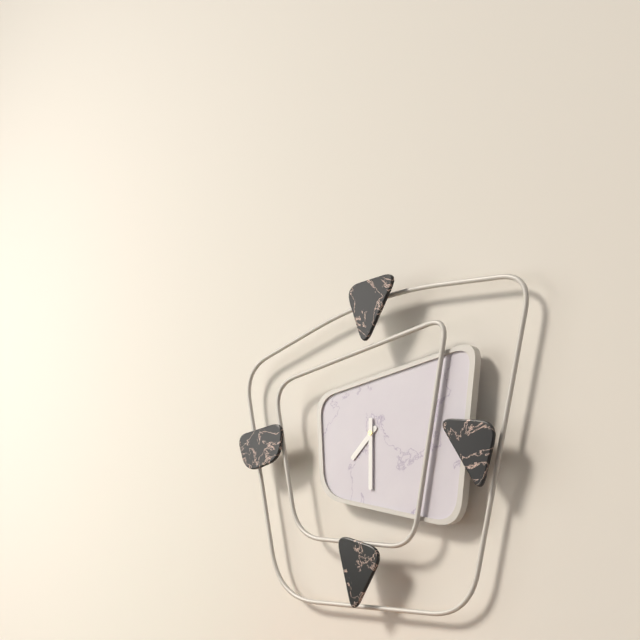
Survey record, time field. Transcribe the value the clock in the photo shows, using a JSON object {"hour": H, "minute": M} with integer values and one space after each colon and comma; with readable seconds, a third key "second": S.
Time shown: {"hour": 7, "minute": 30}
